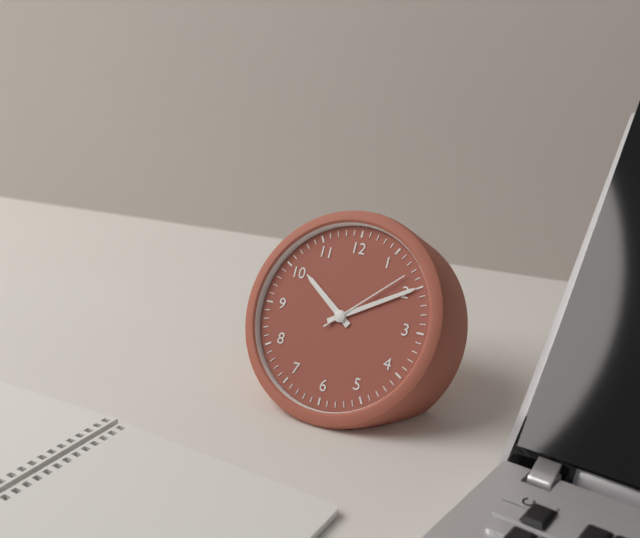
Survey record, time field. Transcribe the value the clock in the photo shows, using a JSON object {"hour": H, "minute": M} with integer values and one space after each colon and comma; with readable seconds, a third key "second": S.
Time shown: {"hour": 10, "minute": 10, "second": 8}
